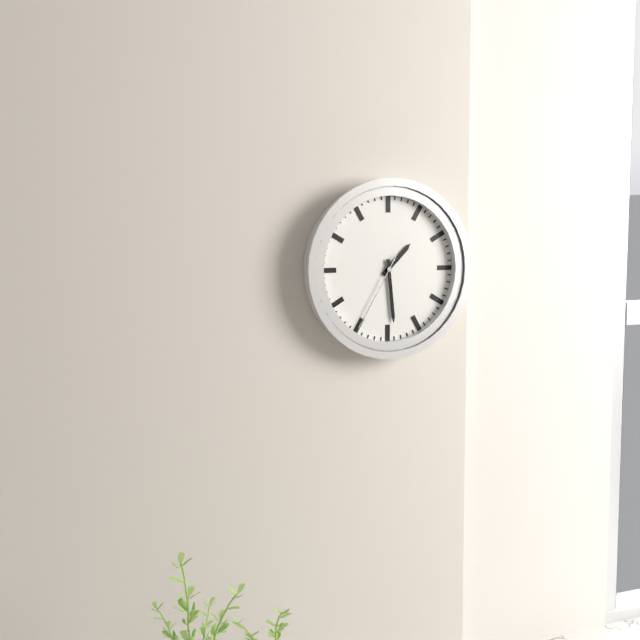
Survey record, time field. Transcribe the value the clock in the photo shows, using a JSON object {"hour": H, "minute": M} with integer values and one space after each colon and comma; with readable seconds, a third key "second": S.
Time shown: {"hour": 1, "minute": 29, "second": 35}
